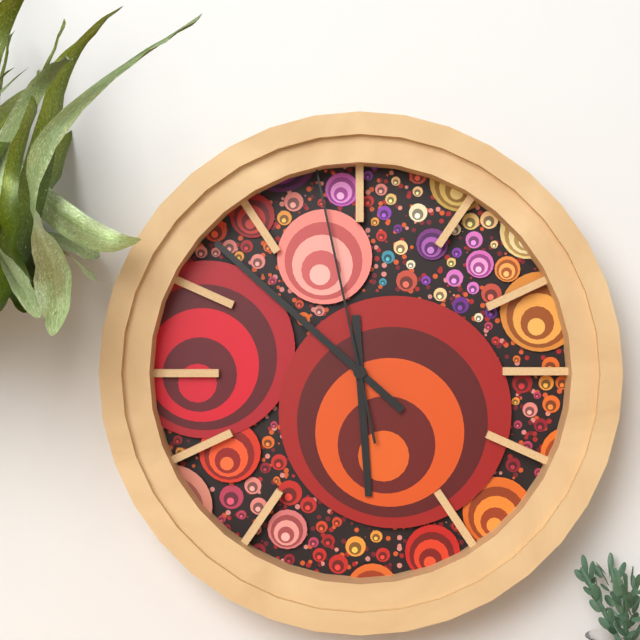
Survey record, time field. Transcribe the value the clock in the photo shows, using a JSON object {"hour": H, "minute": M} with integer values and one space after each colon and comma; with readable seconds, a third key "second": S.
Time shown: {"hour": 5, "minute": 52, "second": 58}
